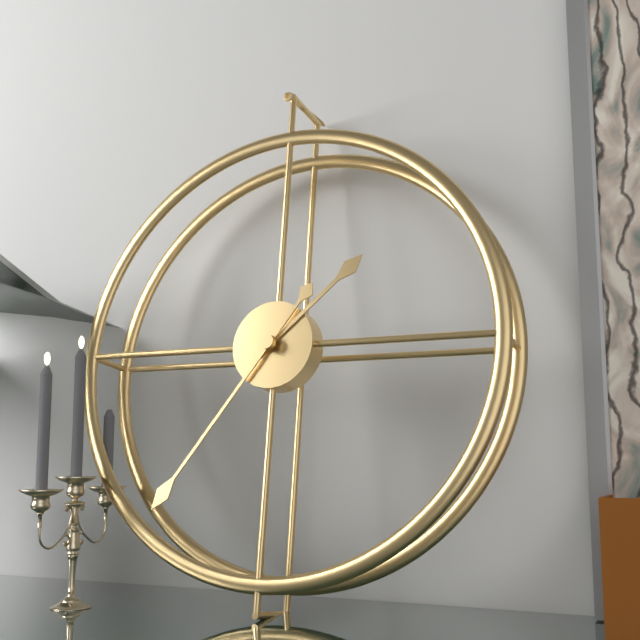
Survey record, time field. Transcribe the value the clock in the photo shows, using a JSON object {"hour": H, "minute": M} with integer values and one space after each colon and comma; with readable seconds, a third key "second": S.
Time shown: {"hour": 1, "minute": 36}
